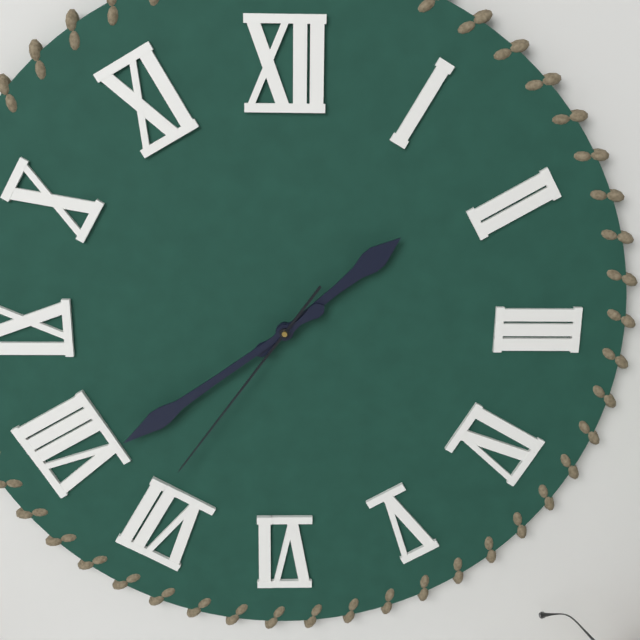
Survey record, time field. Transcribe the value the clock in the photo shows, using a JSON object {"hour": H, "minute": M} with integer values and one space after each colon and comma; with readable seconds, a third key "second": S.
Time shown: {"hour": 1, "minute": 39, "second": 36}
